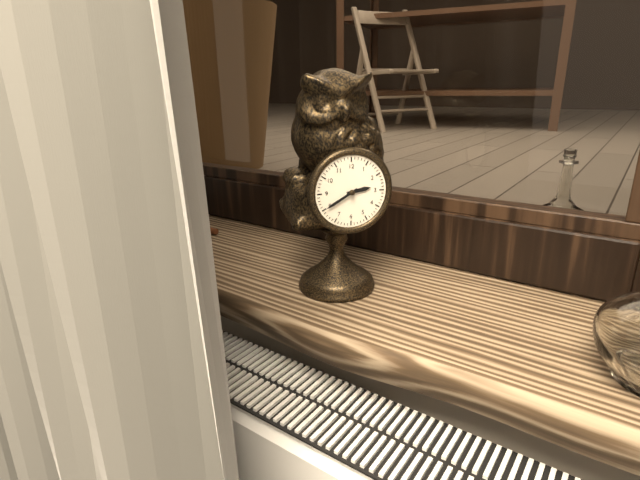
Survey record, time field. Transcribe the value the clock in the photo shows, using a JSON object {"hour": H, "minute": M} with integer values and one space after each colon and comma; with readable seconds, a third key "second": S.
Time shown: {"hour": 2, "minute": 40}
